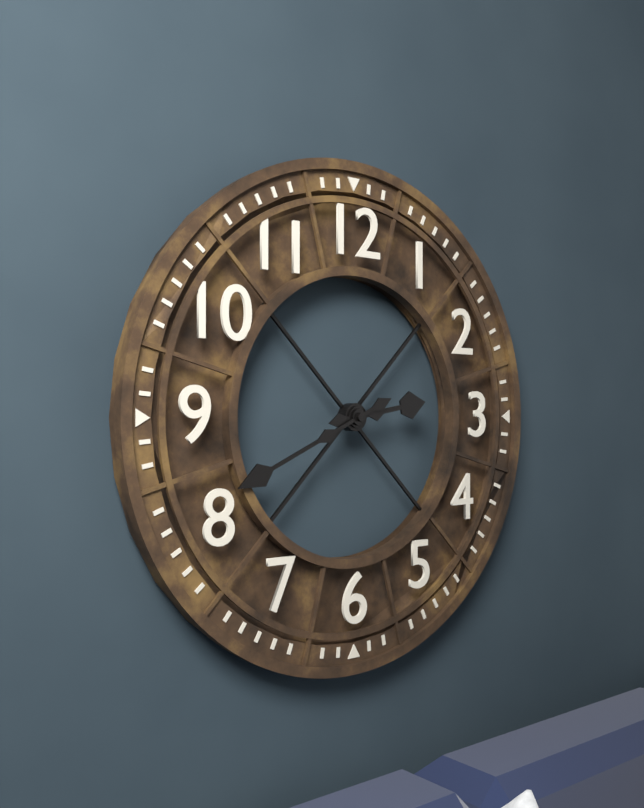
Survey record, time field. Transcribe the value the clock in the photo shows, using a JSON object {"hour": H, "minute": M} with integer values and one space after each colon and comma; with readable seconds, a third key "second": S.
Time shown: {"hour": 2, "minute": 41}
